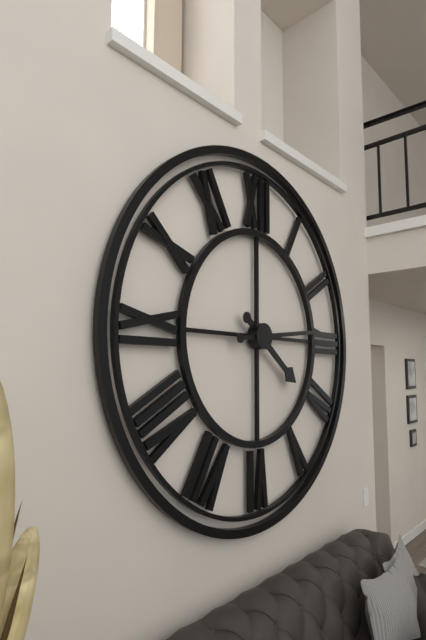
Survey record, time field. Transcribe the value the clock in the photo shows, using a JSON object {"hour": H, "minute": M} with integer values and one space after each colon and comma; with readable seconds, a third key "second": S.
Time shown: {"hour": 4, "minute": 14}
